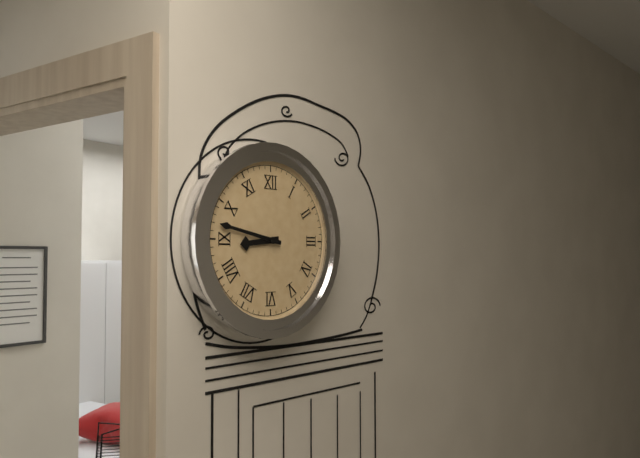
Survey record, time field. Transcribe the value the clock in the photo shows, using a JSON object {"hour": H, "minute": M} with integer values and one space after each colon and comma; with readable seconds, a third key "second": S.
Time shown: {"hour": 8, "minute": 47}
